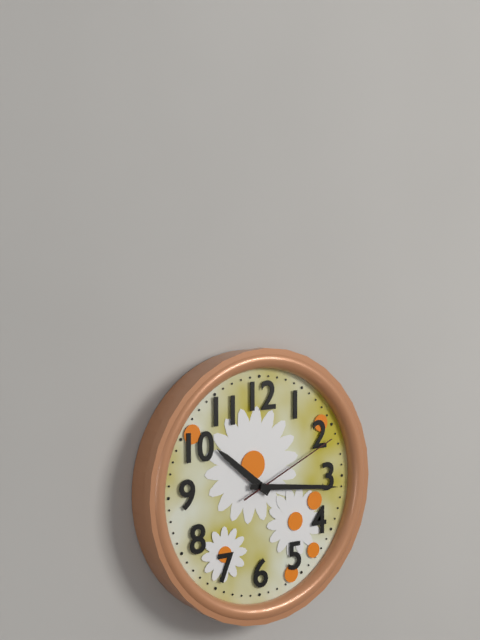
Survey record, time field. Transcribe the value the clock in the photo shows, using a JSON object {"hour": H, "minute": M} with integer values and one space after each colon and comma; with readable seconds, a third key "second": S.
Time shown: {"hour": 10, "minute": 16, "second": 11}
